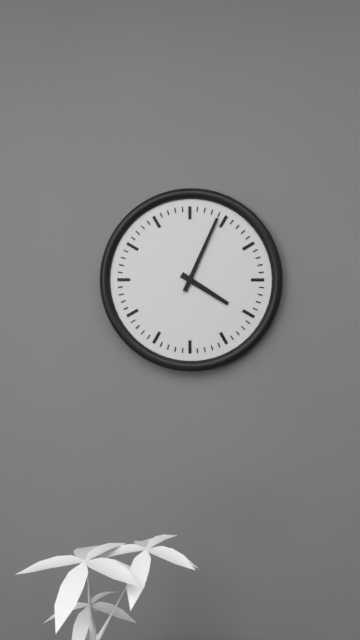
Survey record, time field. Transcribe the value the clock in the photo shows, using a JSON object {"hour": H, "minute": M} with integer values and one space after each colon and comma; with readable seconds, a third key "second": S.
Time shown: {"hour": 4, "minute": 4}
